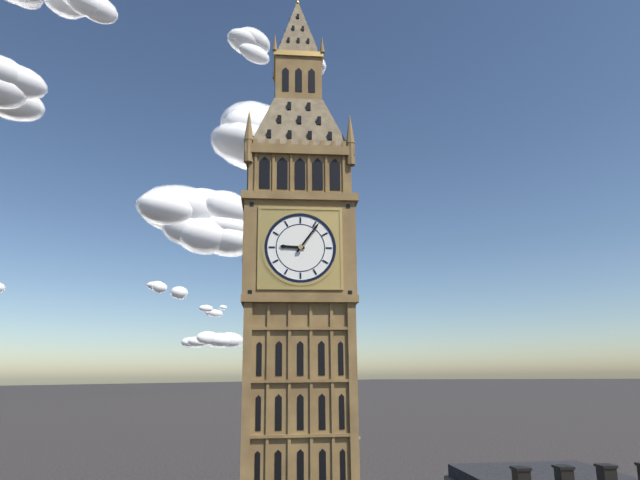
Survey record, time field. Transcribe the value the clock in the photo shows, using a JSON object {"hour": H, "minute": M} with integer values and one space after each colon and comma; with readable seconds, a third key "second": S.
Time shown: {"hour": 9, "minute": 6}
